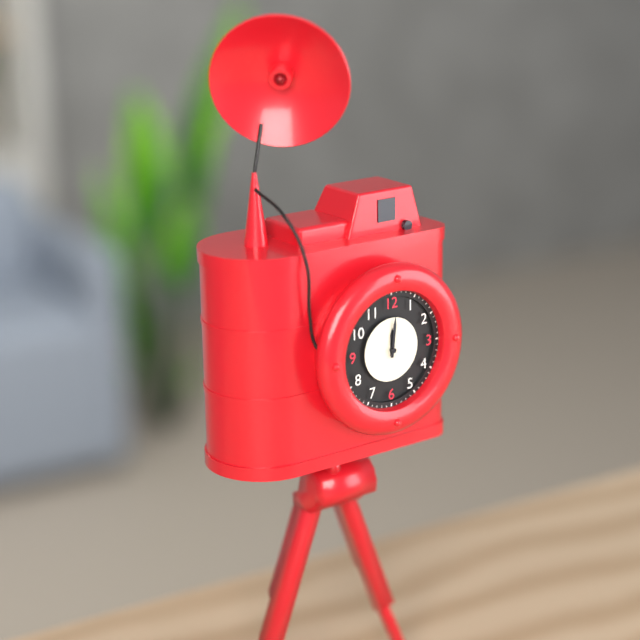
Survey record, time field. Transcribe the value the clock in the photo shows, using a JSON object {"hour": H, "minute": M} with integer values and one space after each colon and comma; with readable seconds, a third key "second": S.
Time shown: {"hour": 12, "minute": 1}
